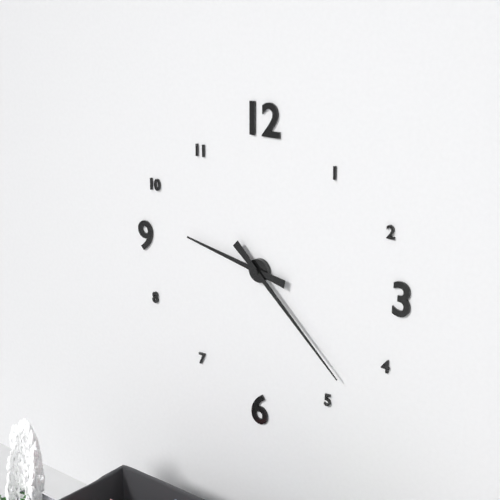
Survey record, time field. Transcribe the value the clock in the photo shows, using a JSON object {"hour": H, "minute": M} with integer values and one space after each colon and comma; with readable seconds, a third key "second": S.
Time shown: {"hour": 9, "minute": 22}
